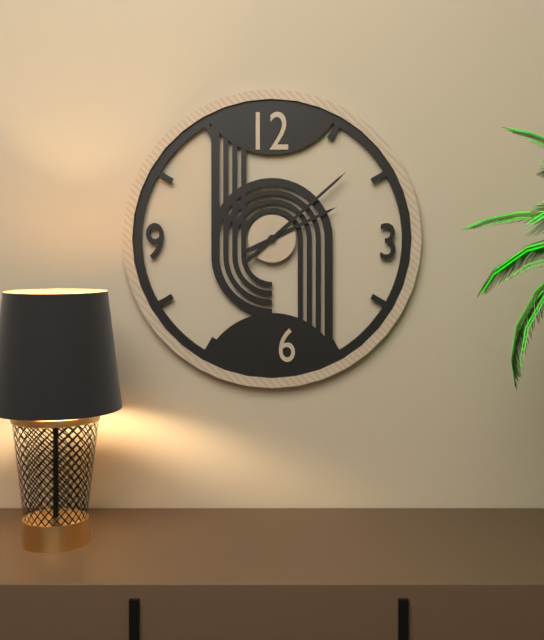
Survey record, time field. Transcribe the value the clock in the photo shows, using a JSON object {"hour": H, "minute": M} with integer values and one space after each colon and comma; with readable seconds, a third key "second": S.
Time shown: {"hour": 2, "minute": 8}
